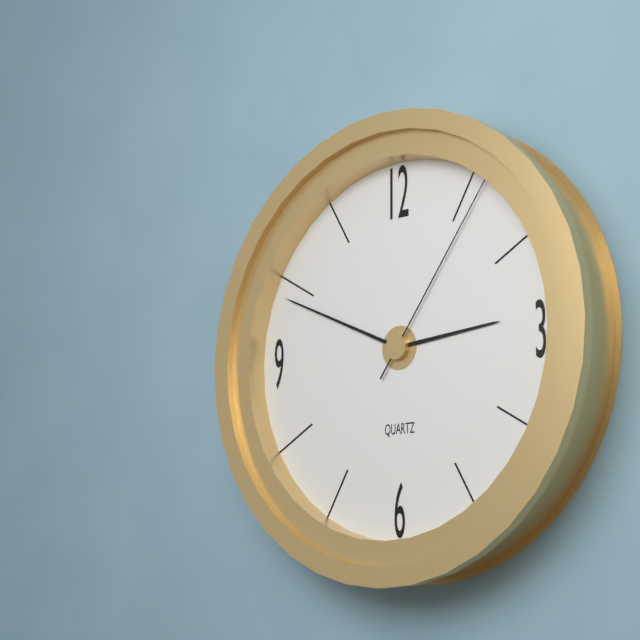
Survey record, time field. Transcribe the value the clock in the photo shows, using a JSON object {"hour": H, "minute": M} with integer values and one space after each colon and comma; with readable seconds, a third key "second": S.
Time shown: {"hour": 2, "minute": 49, "second": 6}
